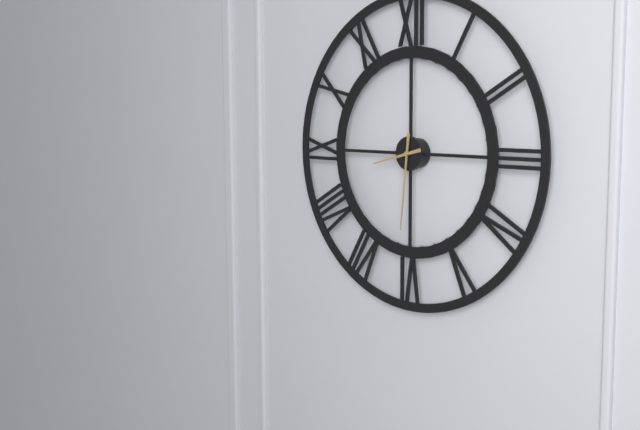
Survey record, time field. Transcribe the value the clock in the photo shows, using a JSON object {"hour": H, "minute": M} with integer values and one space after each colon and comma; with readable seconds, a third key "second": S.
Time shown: {"hour": 8, "minute": 31}
